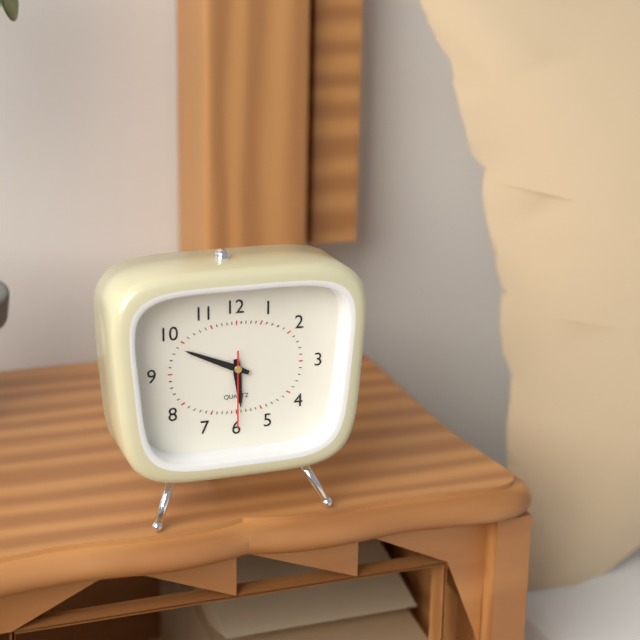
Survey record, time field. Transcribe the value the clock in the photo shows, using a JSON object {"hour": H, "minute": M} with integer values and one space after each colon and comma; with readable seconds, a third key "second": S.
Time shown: {"hour": 5, "minute": 49, "second": 30}
